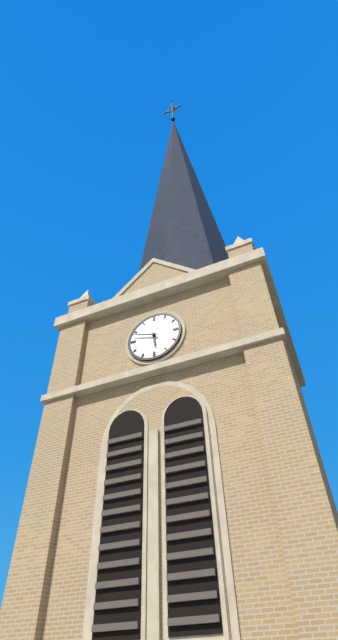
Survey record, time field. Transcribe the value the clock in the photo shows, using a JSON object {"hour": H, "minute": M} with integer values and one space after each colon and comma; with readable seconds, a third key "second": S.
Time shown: {"hour": 5, "minute": 48}
